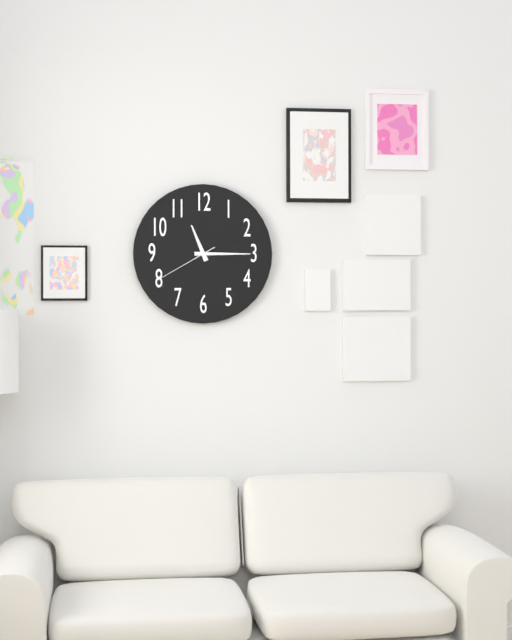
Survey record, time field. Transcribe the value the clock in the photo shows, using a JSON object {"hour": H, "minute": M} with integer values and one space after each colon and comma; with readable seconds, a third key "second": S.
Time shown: {"hour": 11, "minute": 15, "second": 40}
